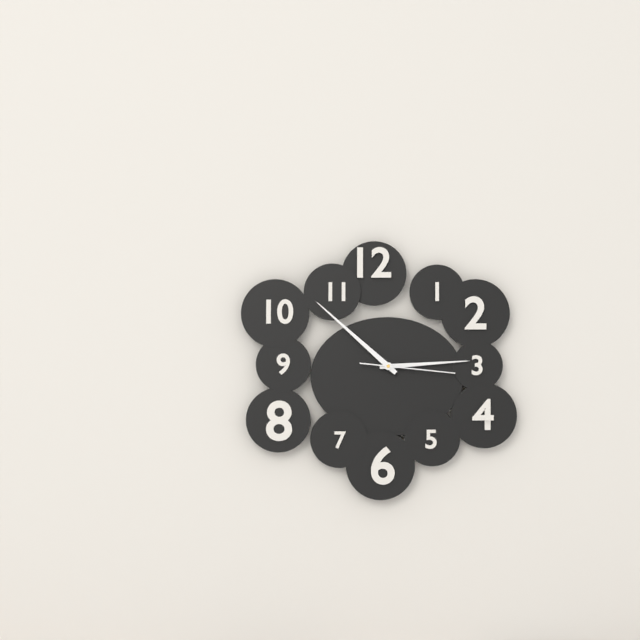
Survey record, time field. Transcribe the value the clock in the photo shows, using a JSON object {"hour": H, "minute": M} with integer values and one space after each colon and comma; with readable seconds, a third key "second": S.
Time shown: {"hour": 2, "minute": 52, "second": 16}
